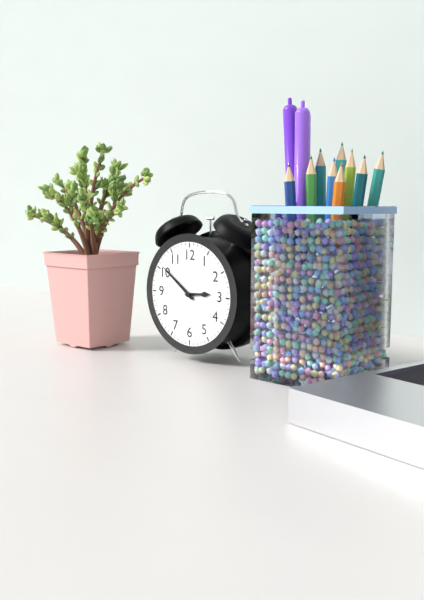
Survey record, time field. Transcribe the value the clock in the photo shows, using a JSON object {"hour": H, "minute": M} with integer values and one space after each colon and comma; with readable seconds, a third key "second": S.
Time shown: {"hour": 2, "minute": 51}
